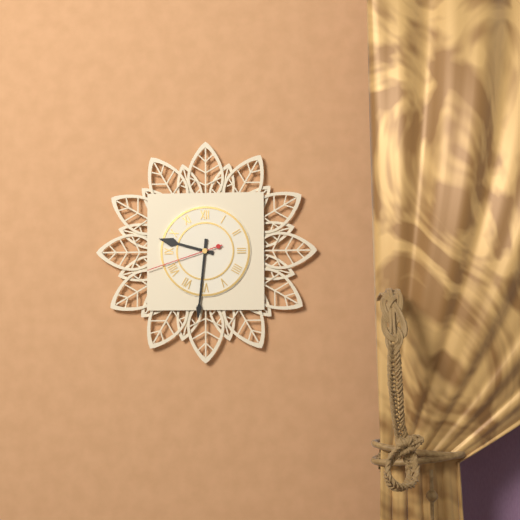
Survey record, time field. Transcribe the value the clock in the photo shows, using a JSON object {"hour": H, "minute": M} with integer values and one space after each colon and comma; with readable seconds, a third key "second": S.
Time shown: {"hour": 9, "minute": 31, "second": 42}
